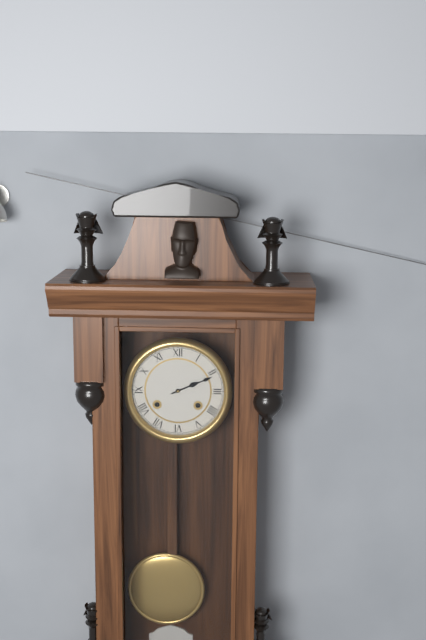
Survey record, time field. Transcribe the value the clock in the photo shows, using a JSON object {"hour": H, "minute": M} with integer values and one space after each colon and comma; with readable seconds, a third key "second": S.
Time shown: {"hour": 2, "minute": 11}
